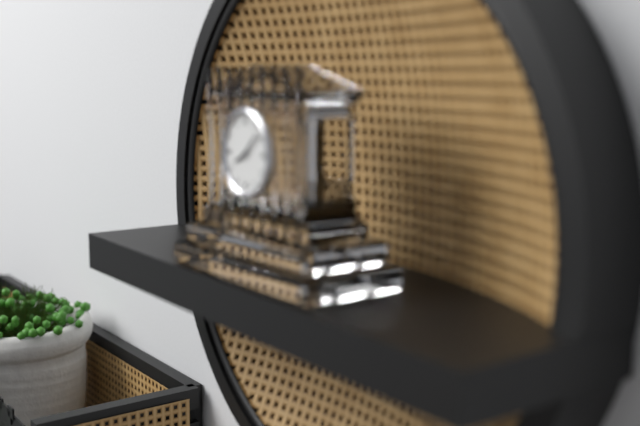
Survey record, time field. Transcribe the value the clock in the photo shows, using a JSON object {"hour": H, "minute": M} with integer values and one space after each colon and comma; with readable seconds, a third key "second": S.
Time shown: {"hour": 8, "minute": 8}
